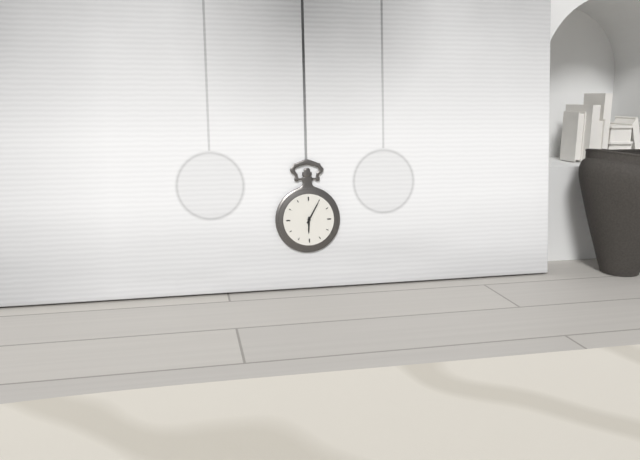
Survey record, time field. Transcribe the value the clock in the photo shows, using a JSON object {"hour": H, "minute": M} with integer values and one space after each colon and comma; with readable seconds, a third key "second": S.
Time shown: {"hour": 6, "minute": 5}
